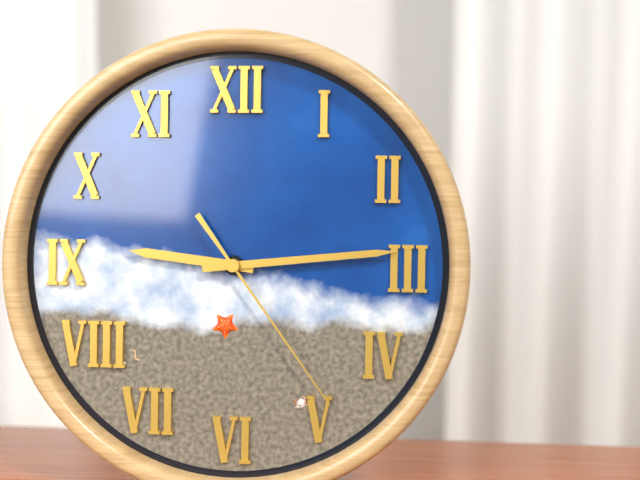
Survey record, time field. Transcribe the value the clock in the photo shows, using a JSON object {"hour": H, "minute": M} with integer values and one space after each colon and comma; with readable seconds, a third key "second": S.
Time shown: {"hour": 9, "minute": 14, "second": 24}
